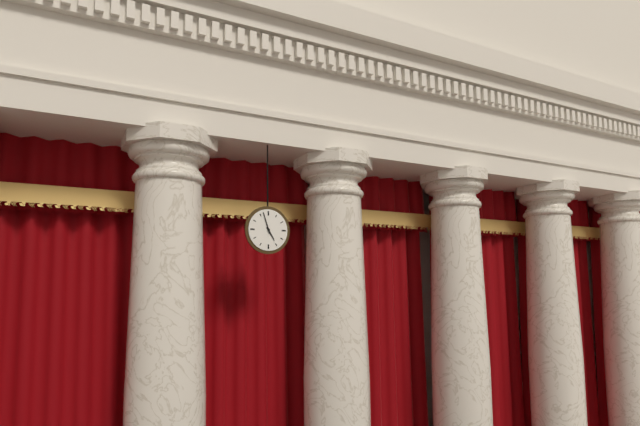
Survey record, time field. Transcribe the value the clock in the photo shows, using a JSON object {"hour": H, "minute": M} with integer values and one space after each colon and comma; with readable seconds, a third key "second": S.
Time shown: {"hour": 4, "minute": 57}
